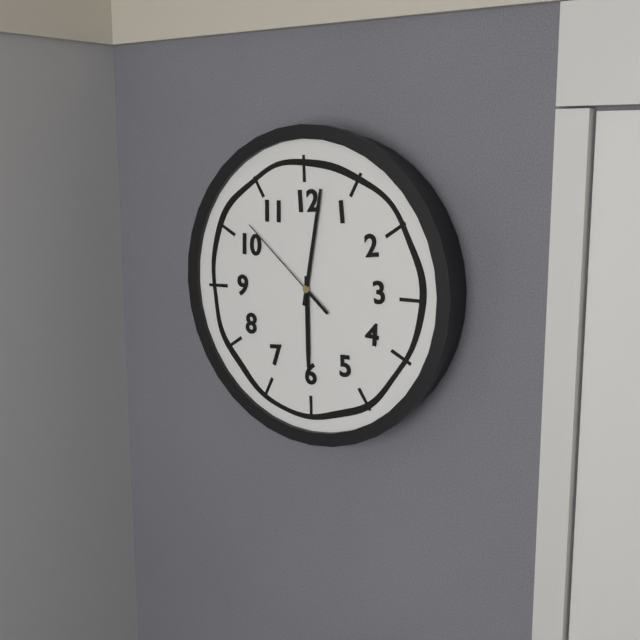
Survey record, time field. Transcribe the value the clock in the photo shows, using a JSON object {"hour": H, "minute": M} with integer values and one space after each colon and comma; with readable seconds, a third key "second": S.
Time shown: {"hour": 6, "minute": 2, "second": 52}
